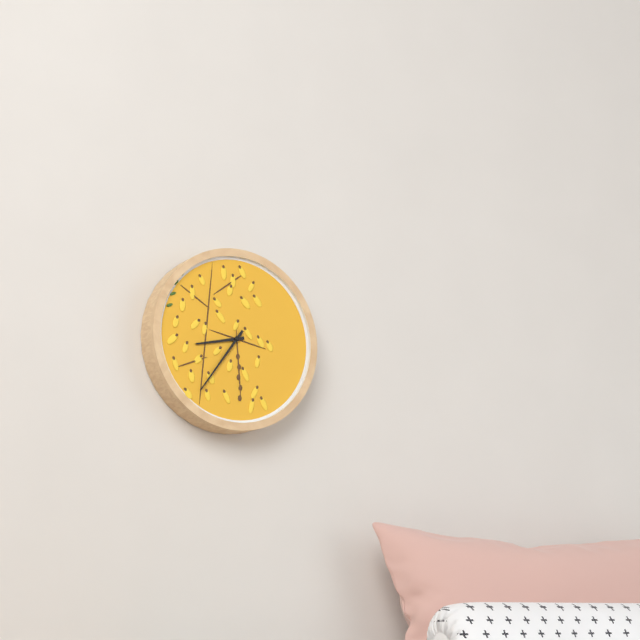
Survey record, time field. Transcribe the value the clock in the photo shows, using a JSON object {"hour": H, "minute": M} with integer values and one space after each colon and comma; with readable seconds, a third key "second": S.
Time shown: {"hour": 8, "minute": 36}
